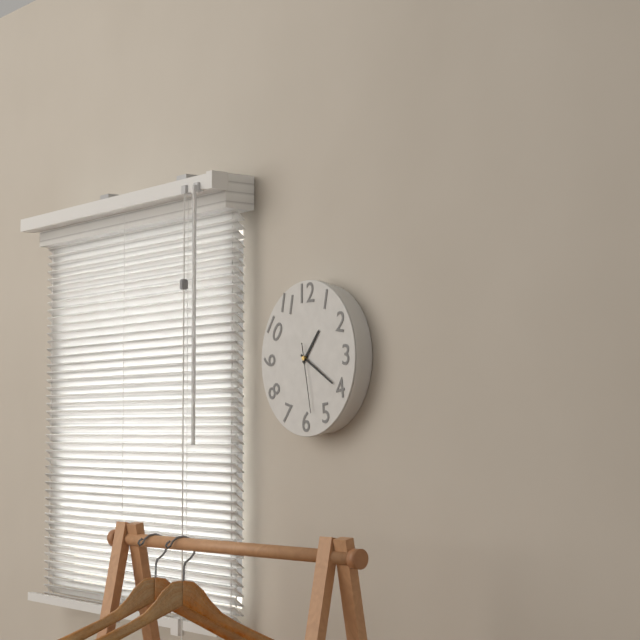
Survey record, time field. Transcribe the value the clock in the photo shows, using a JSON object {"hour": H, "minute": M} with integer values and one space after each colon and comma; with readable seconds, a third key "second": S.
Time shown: {"hour": 1, "minute": 20, "second": 28}
